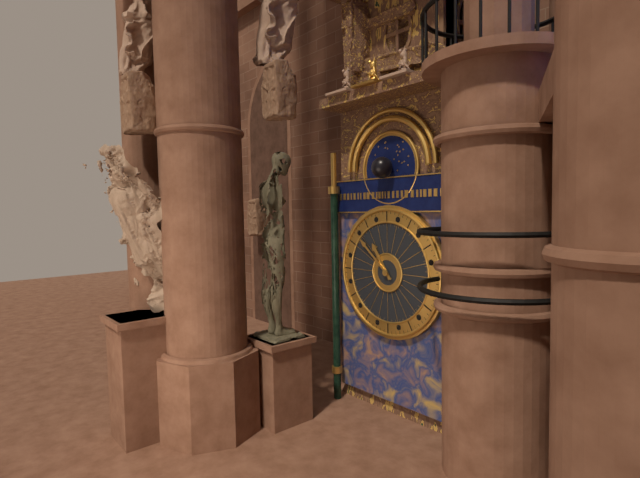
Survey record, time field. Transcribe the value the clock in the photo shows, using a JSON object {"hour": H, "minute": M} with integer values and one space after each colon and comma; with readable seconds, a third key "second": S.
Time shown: {"hour": 10, "minute": 52}
